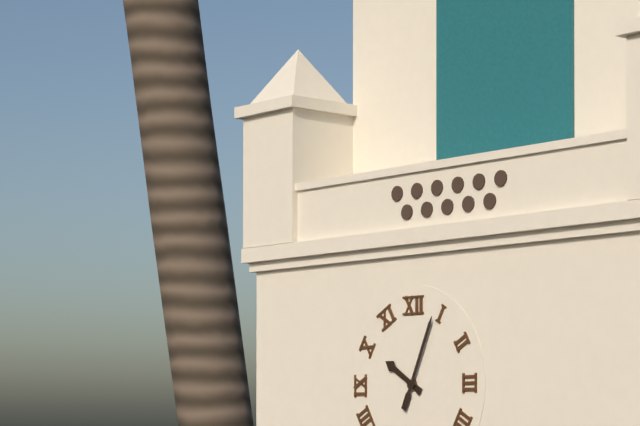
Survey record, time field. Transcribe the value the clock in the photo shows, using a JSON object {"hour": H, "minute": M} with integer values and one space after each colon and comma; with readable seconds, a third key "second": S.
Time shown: {"hour": 10, "minute": 4}
